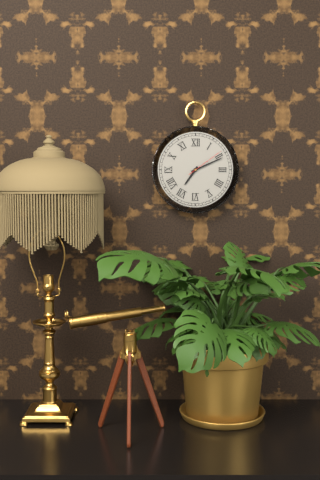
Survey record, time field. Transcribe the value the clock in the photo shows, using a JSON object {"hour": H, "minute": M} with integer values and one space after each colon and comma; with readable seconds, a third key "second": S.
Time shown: {"hour": 7, "minute": 11}
